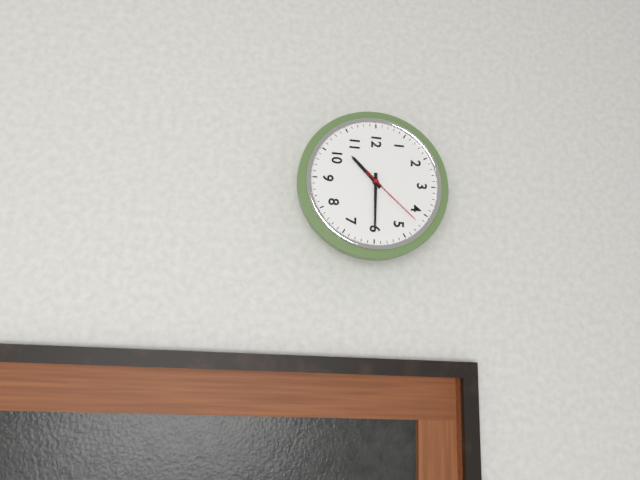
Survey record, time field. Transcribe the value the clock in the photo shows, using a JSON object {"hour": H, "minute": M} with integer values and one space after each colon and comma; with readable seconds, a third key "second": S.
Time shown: {"hour": 10, "minute": 30, "second": 22}
